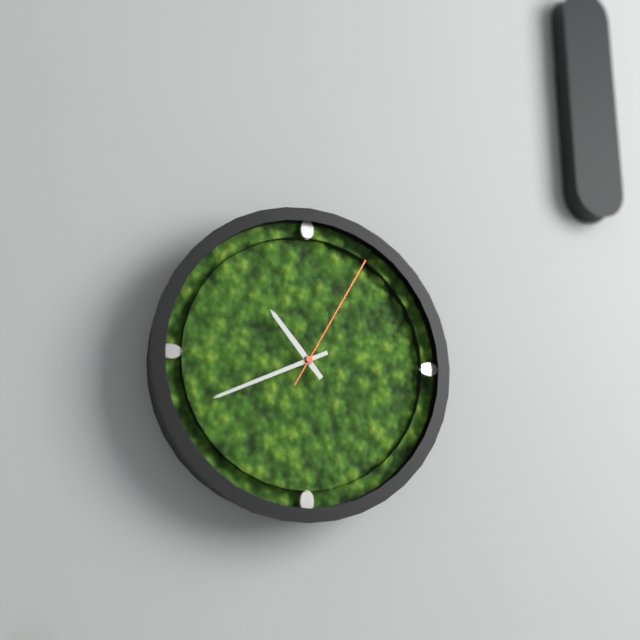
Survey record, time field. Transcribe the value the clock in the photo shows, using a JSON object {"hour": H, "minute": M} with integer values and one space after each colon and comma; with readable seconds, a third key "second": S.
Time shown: {"hour": 10, "minute": 41, "second": 5}
